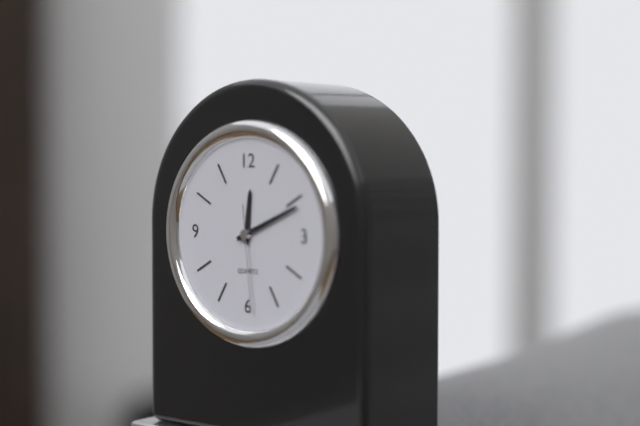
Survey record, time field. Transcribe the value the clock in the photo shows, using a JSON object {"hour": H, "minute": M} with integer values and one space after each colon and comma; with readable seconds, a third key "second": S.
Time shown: {"hour": 12, "minute": 11, "second": 29}
